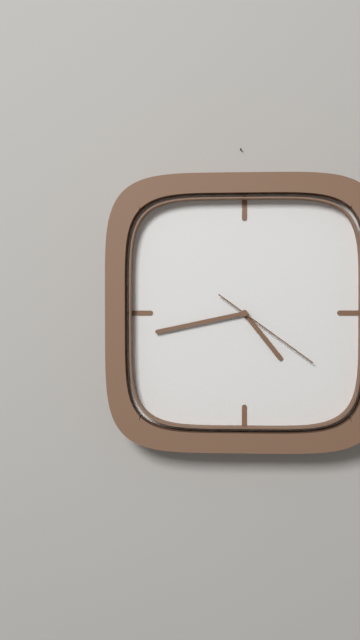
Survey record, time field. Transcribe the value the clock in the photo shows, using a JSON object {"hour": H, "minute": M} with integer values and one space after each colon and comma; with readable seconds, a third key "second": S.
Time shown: {"hour": 4, "minute": 43, "second": 21}
